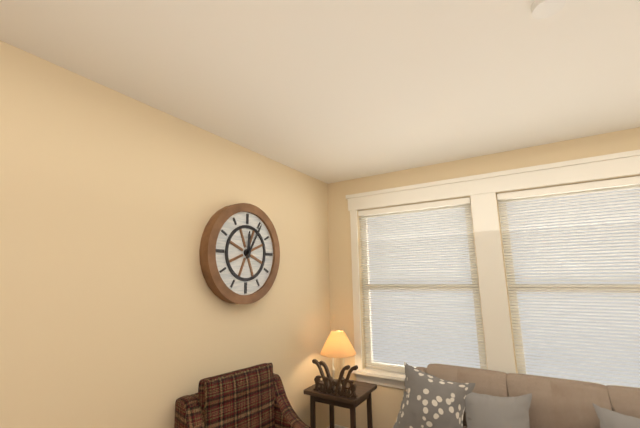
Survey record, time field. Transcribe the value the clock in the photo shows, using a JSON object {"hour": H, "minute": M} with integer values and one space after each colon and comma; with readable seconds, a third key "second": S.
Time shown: {"hour": 12, "minute": 5}
